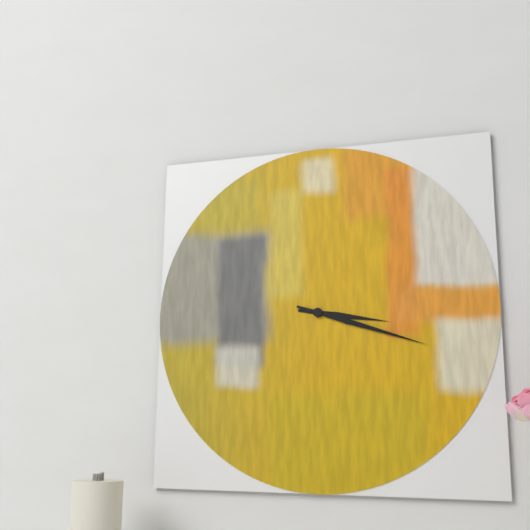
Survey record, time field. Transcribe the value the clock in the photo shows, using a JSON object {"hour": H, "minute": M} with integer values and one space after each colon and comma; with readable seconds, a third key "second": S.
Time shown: {"hour": 3, "minute": 18}
